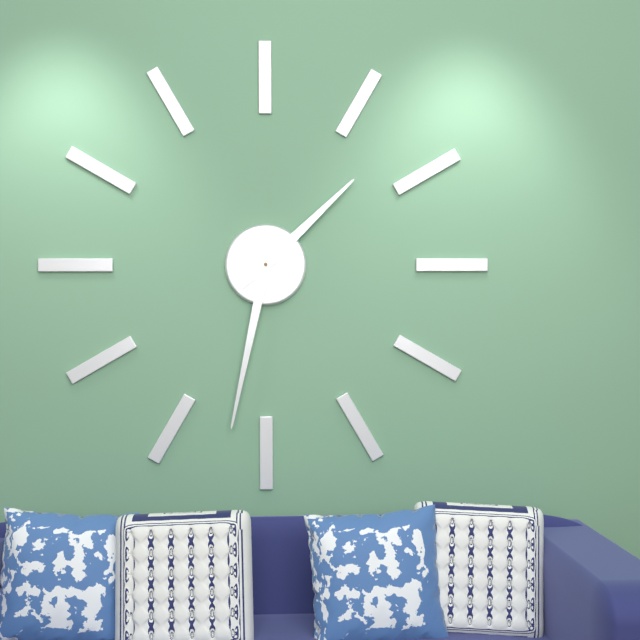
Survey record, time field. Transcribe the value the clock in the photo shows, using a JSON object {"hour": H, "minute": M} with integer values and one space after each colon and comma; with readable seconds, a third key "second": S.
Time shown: {"hour": 1, "minute": 32}
